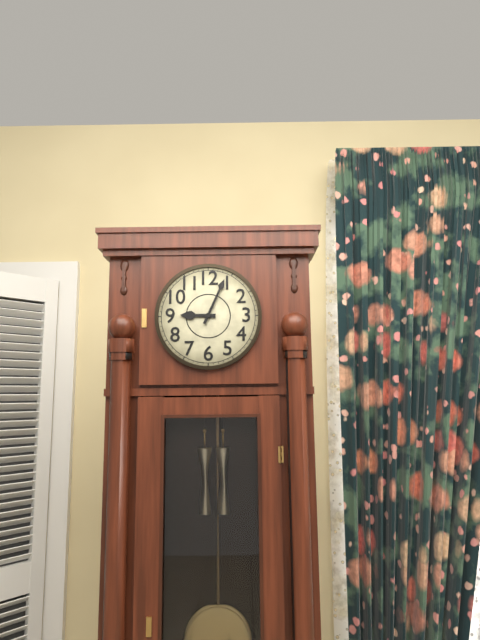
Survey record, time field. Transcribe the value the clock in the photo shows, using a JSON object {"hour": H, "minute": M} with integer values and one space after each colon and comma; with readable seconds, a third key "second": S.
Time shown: {"hour": 9, "minute": 4}
